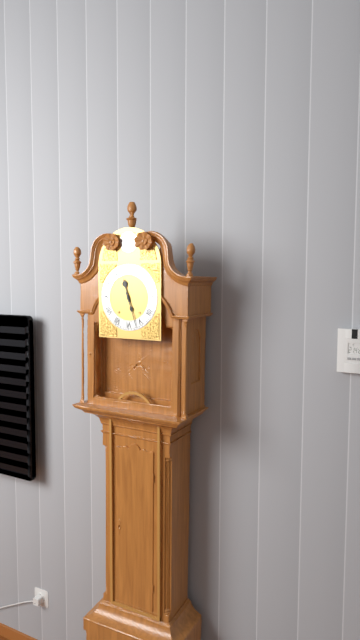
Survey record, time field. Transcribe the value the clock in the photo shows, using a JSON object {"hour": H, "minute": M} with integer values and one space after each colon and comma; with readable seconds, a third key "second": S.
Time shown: {"hour": 11, "minute": 27}
